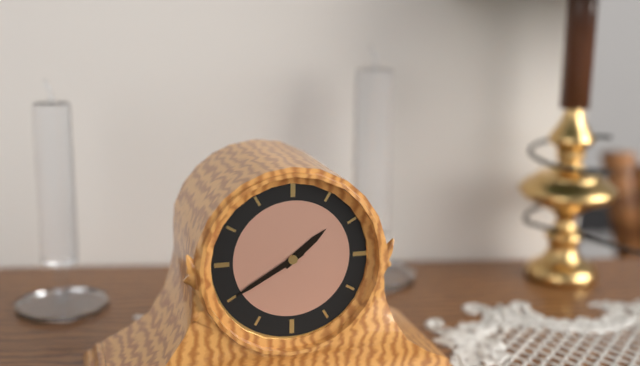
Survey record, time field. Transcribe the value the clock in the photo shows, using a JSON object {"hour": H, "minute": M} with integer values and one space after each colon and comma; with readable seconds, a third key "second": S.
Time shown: {"hour": 1, "minute": 40}
